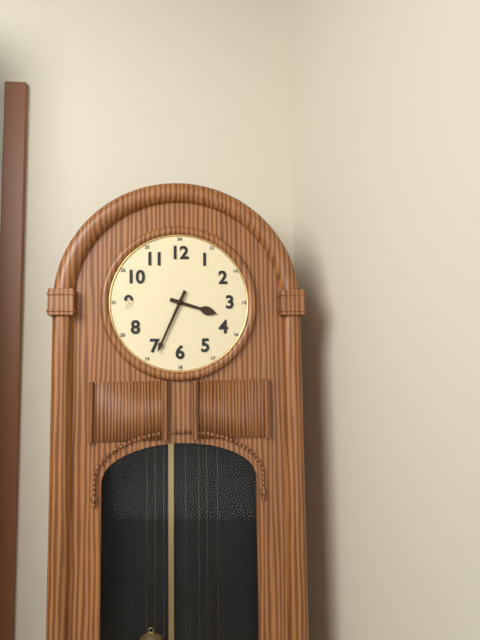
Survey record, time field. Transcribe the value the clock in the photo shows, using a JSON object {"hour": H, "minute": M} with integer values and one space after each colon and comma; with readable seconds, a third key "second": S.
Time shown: {"hour": 3, "minute": 34}
